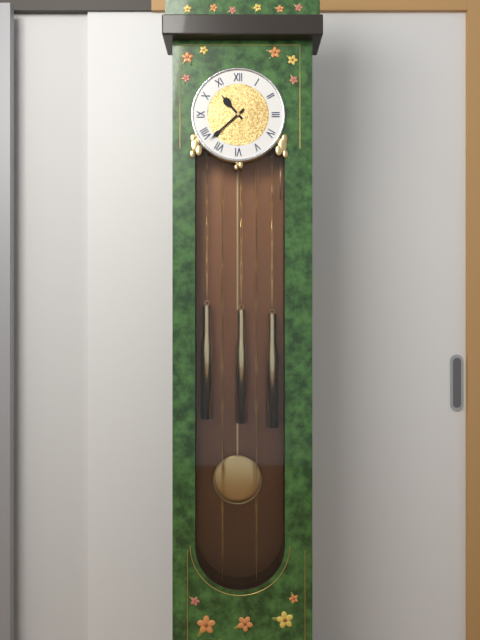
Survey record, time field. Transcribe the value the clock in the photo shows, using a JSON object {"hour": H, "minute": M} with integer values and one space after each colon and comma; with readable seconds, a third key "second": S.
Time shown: {"hour": 10, "minute": 38}
